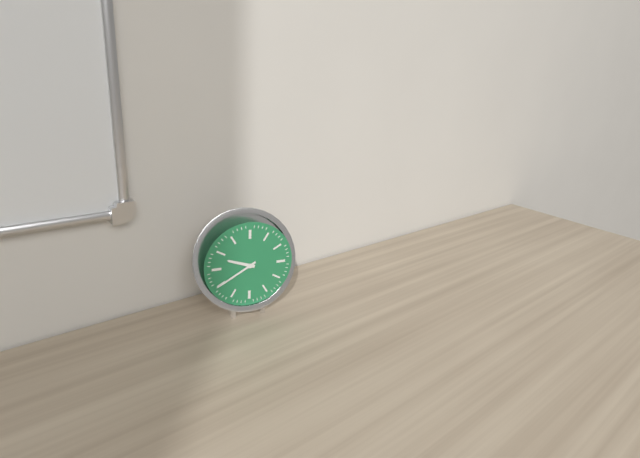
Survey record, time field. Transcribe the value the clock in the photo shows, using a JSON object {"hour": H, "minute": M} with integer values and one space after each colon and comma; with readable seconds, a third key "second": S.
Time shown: {"hour": 9, "minute": 40}
